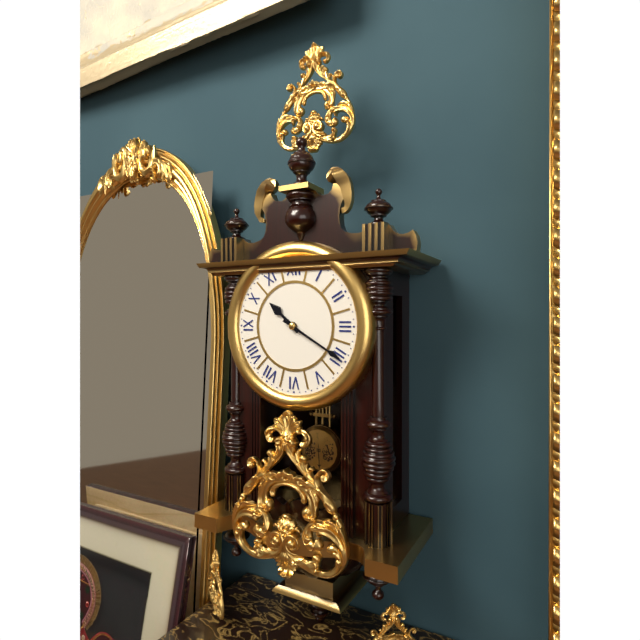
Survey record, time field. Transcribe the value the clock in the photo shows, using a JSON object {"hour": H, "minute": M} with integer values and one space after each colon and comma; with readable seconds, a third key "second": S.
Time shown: {"hour": 10, "minute": 20}
